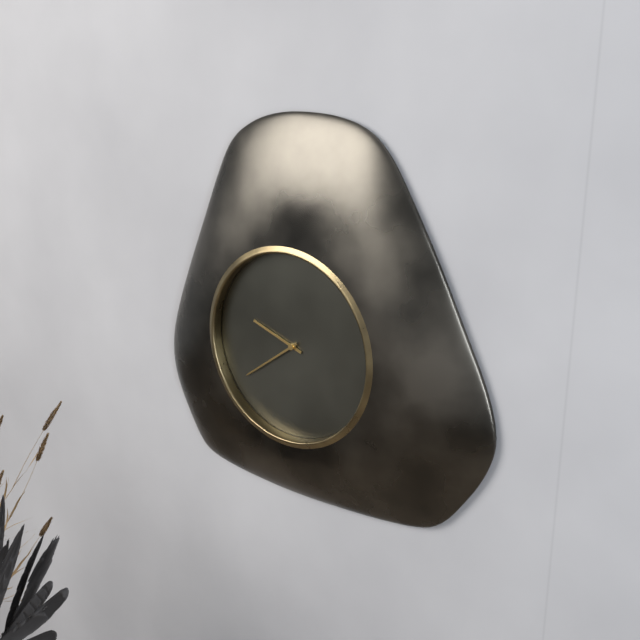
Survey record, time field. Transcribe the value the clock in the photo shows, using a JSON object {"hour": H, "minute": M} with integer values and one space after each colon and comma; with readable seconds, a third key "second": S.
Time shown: {"hour": 9, "minute": 39}
